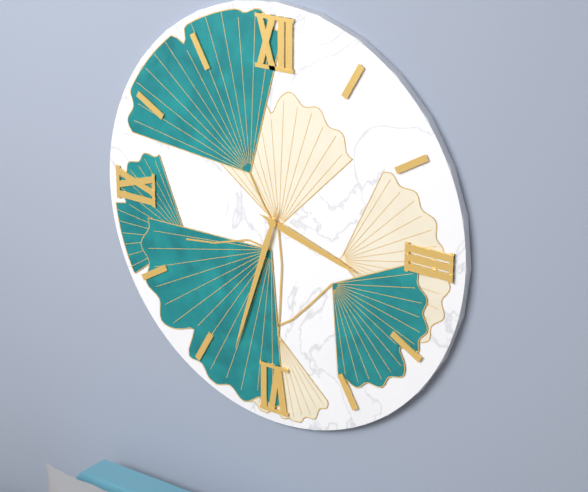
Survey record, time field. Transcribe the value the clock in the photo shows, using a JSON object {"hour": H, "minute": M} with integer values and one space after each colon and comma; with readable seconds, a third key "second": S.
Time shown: {"hour": 3, "minute": 33}
